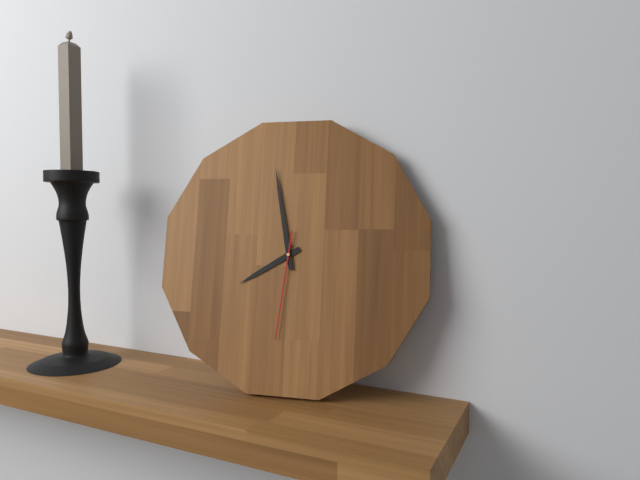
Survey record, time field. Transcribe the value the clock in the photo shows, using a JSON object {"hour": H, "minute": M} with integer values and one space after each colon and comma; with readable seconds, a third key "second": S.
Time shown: {"hour": 7, "minute": 58, "second": 31}
